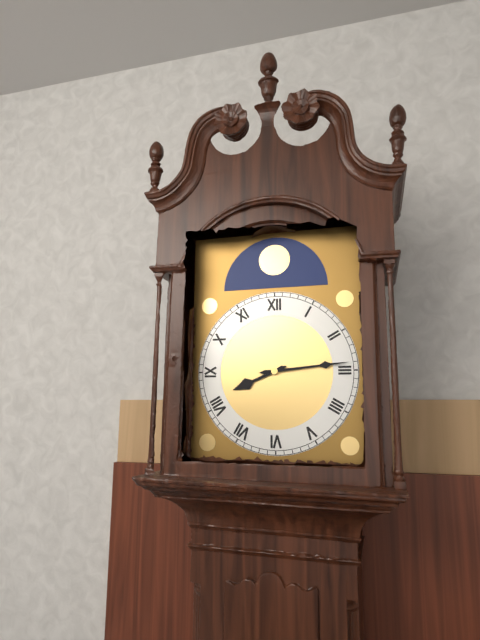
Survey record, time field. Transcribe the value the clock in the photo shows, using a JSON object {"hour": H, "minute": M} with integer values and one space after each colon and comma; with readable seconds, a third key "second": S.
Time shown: {"hour": 8, "minute": 14}
